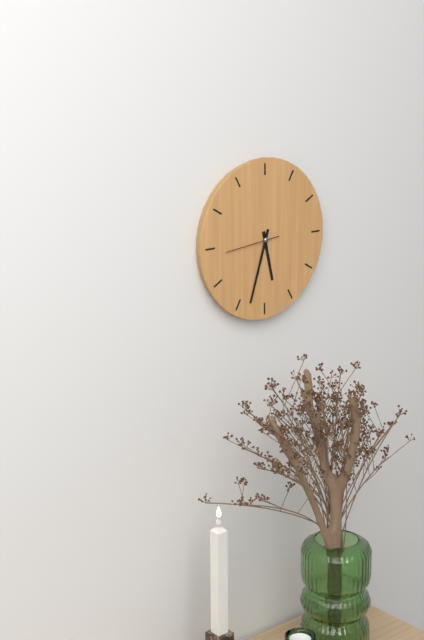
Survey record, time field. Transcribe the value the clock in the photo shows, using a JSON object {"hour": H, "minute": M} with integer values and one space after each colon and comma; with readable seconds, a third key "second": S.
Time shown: {"hour": 5, "minute": 33, "second": 44}
